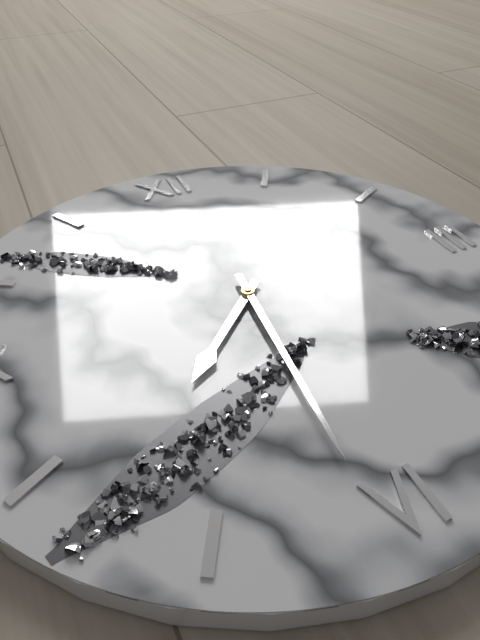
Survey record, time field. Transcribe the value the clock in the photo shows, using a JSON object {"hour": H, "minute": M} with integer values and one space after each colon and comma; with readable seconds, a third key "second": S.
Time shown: {"hour": 7, "minute": 31}
